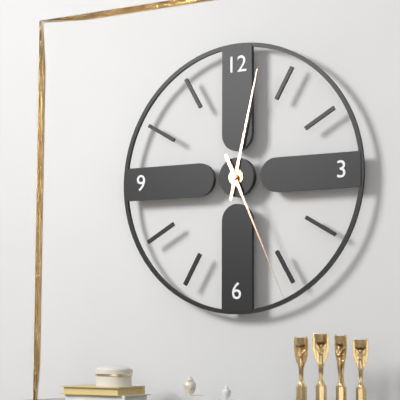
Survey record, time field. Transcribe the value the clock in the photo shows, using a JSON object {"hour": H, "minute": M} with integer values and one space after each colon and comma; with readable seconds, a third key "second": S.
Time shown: {"hour": 12, "minute": 26}
